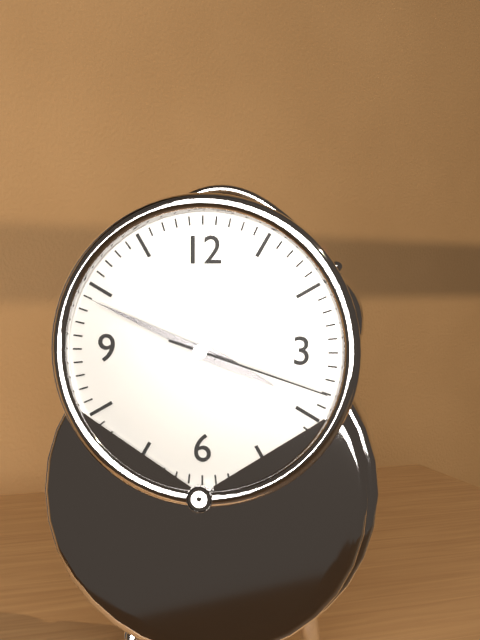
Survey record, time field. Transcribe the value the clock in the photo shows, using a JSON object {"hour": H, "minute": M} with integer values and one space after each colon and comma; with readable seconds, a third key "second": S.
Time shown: {"hour": 3, "minute": 49, "second": 18}
